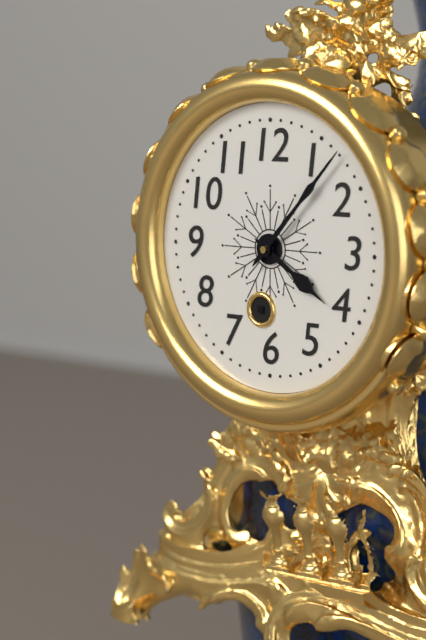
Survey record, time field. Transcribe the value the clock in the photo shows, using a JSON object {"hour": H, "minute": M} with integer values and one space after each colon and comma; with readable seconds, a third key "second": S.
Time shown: {"hour": 4, "minute": 7}
